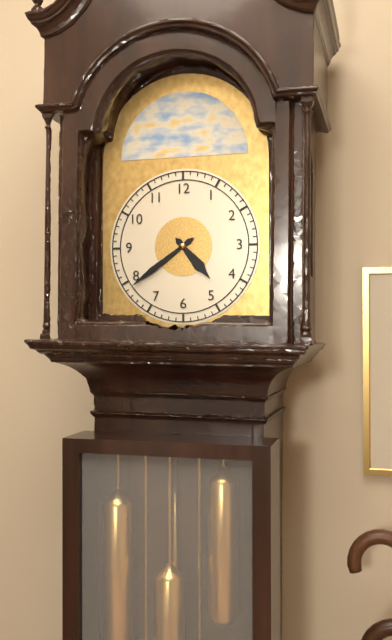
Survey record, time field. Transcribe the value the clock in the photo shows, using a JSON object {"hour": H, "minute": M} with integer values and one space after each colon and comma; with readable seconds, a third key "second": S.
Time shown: {"hour": 4, "minute": 39}
